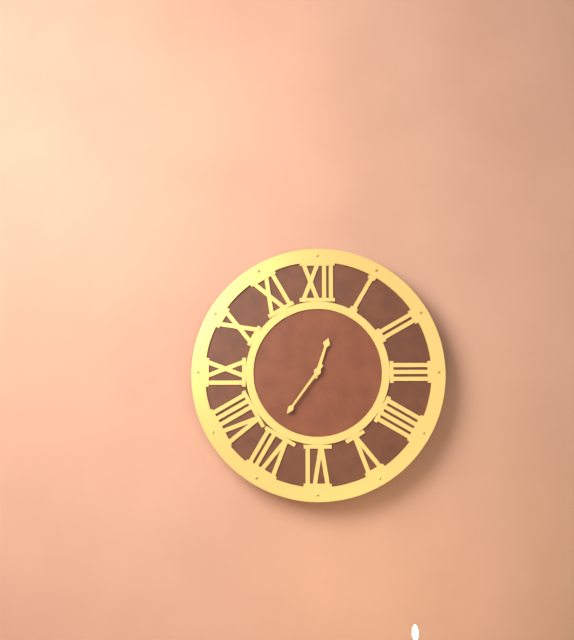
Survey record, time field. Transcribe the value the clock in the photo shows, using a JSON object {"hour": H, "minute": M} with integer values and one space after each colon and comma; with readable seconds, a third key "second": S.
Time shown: {"hour": 12, "minute": 36}
